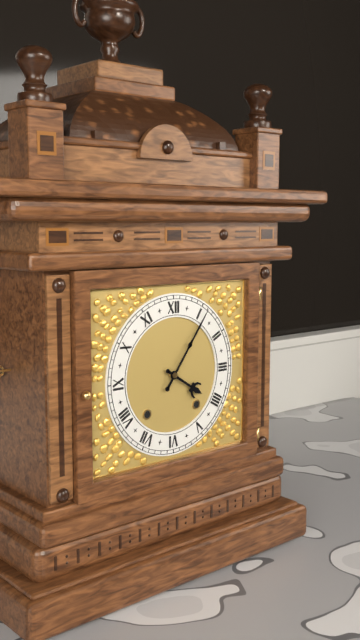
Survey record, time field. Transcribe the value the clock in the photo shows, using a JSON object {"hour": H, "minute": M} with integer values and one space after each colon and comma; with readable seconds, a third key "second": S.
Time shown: {"hour": 4, "minute": 6}
